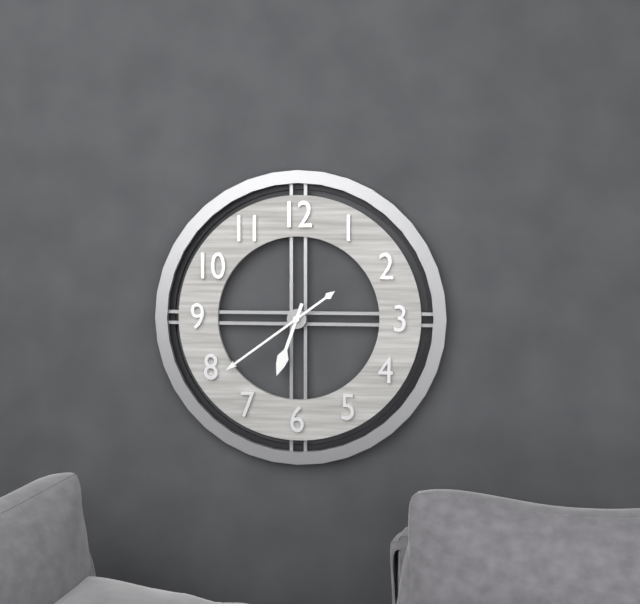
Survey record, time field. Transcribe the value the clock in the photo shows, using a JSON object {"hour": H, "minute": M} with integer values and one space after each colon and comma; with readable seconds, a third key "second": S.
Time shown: {"hour": 6, "minute": 39}
